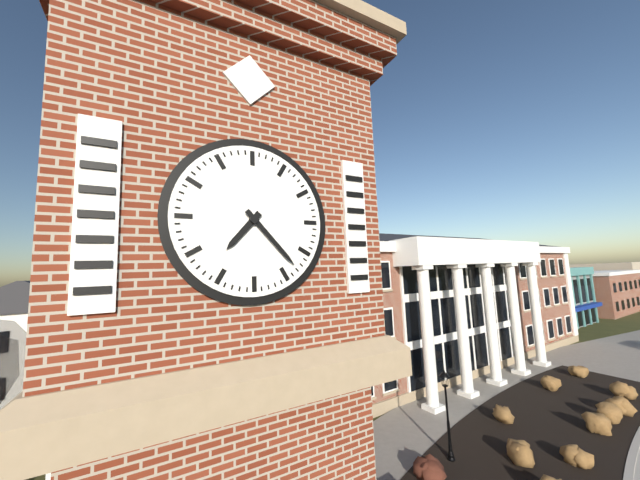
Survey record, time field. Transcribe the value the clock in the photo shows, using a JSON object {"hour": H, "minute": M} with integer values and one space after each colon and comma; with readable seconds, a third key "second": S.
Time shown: {"hour": 7, "minute": 23}
